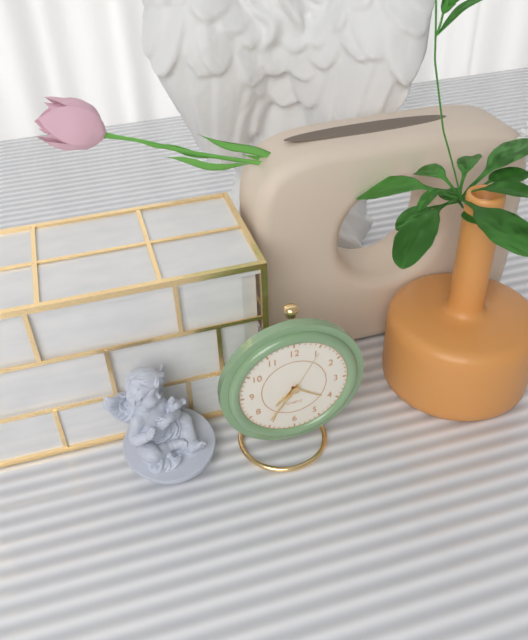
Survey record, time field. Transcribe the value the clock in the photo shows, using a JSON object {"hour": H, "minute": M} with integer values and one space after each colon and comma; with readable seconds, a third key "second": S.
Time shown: {"hour": 7, "minute": 36, "second": 5}
